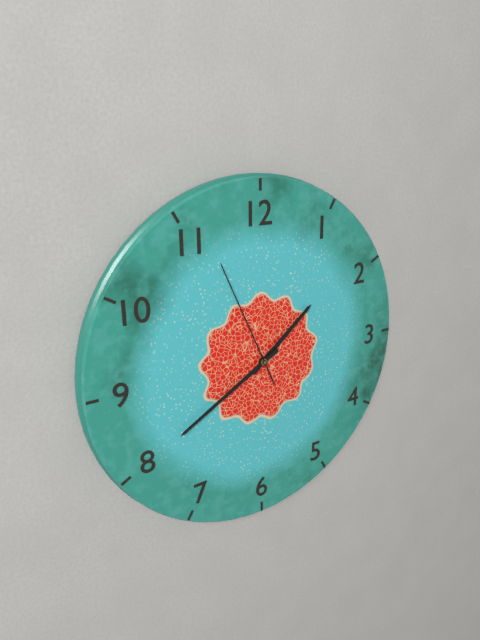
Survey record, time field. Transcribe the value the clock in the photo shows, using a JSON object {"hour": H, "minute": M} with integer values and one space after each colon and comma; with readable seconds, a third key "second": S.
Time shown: {"hour": 1, "minute": 40, "second": 56}
